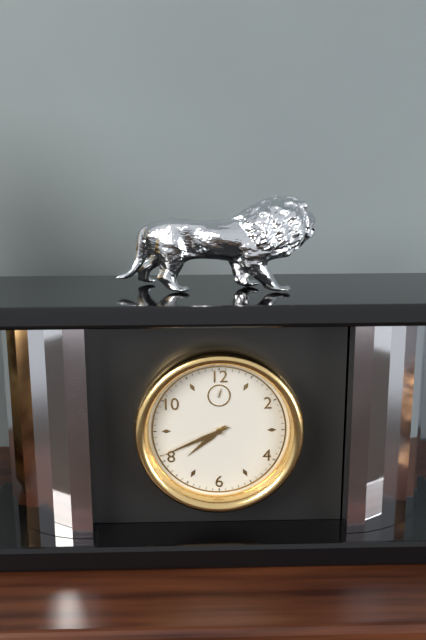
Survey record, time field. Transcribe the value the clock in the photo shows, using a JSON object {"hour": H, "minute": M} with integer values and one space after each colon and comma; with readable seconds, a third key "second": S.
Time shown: {"hour": 7, "minute": 41}
